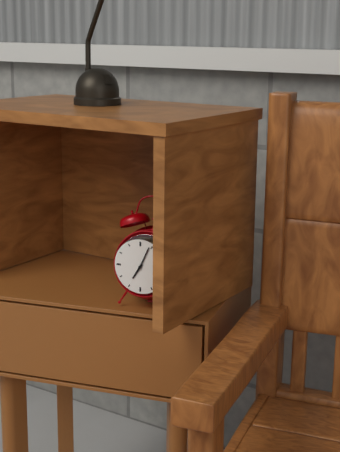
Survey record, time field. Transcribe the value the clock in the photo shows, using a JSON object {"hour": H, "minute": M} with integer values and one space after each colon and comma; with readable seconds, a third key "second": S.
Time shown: {"hour": 7, "minute": 4}
